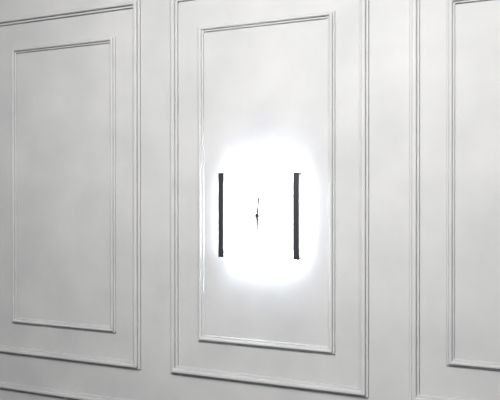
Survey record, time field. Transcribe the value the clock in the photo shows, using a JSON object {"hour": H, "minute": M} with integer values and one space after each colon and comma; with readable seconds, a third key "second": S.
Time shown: {"hour": 6, "minute": 1}
